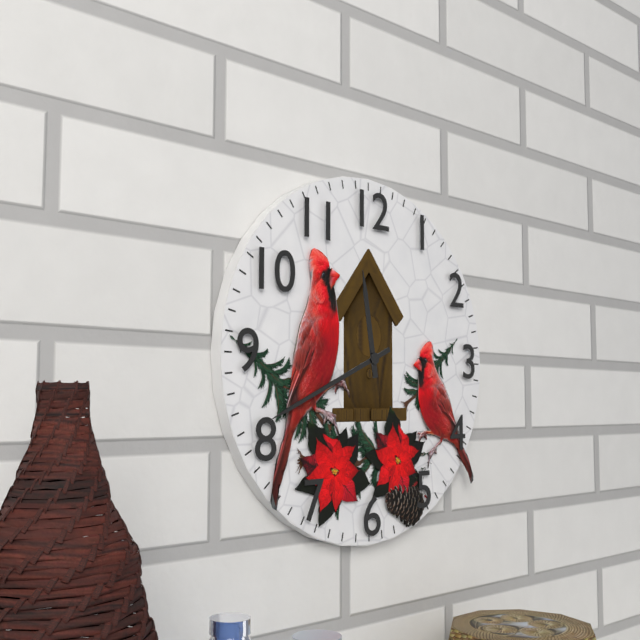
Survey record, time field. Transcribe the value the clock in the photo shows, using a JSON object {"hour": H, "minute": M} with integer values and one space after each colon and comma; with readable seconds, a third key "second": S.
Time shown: {"hour": 11, "minute": 41}
